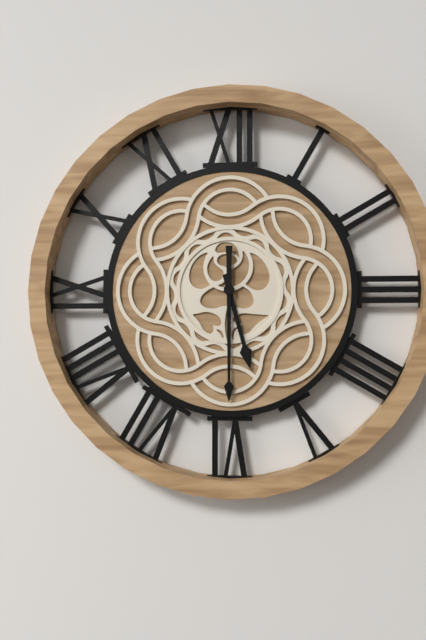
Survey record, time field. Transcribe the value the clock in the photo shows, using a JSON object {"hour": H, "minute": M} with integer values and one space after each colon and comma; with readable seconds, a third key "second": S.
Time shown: {"hour": 5, "minute": 30}
